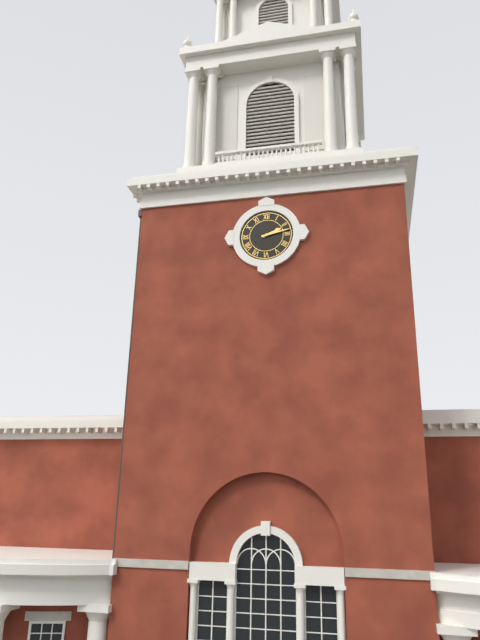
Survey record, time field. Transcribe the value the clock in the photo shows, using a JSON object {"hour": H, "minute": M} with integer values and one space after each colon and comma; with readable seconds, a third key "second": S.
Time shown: {"hour": 2, "minute": 13}
